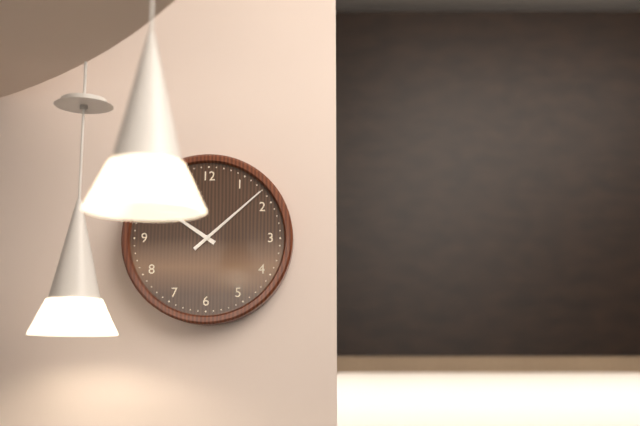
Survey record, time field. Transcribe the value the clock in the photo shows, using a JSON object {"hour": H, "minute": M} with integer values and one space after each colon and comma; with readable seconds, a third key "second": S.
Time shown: {"hour": 10, "minute": 8}
